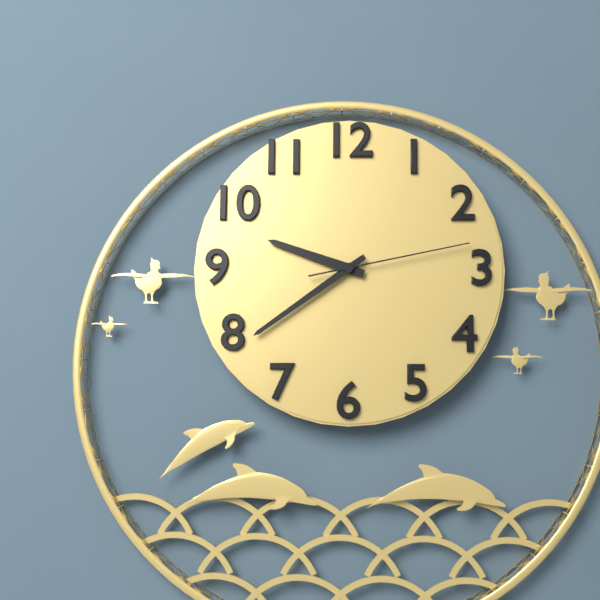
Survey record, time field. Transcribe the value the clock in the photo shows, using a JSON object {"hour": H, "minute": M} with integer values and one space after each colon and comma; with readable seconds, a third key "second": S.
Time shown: {"hour": 9, "minute": 39, "second": 13}
